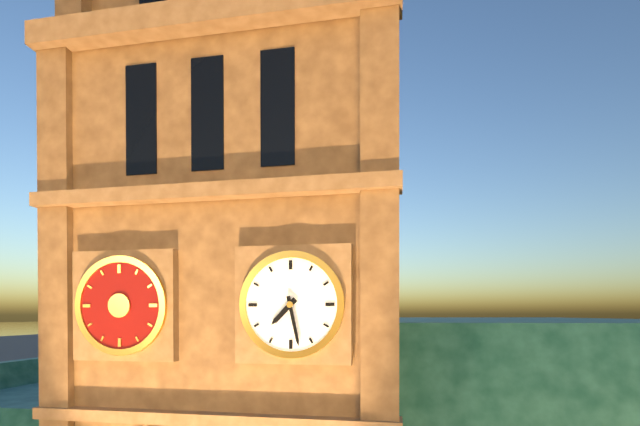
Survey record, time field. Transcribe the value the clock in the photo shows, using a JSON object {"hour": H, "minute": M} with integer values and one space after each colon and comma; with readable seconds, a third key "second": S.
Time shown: {"hour": 7, "minute": 28}
